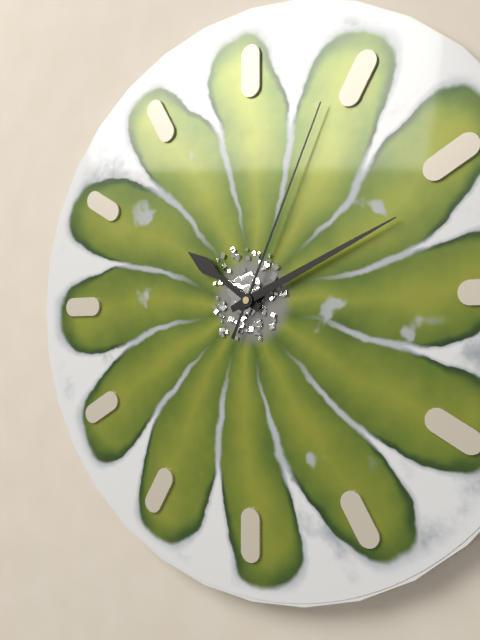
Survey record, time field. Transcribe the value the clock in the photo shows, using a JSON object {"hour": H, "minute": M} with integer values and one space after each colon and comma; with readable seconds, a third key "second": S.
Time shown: {"hour": 10, "minute": 11, "second": 4}
